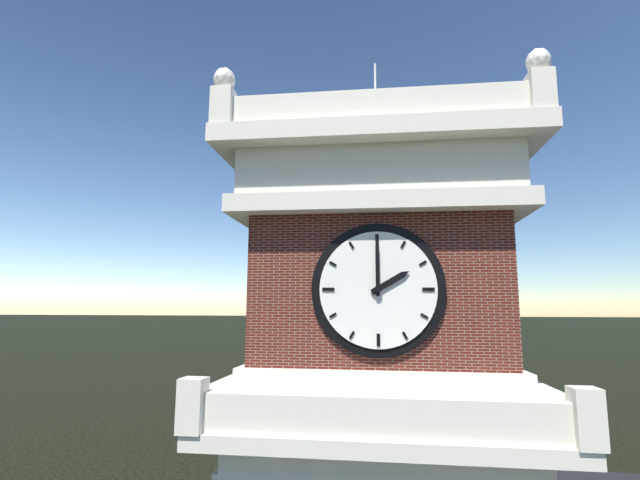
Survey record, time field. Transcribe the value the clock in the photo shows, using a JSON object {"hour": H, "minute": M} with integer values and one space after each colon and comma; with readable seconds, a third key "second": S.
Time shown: {"hour": 2, "minute": 0}
